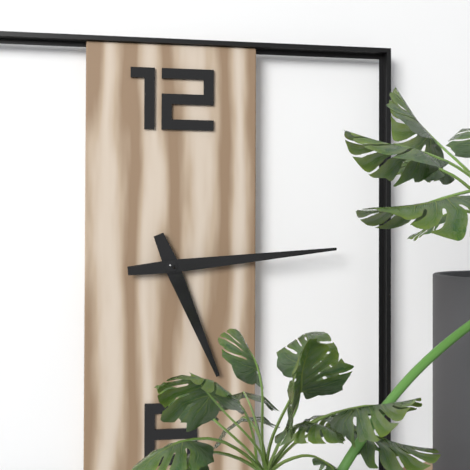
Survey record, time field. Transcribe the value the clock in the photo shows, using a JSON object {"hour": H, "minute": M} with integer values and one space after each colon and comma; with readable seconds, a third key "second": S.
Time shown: {"hour": 5, "minute": 14}
